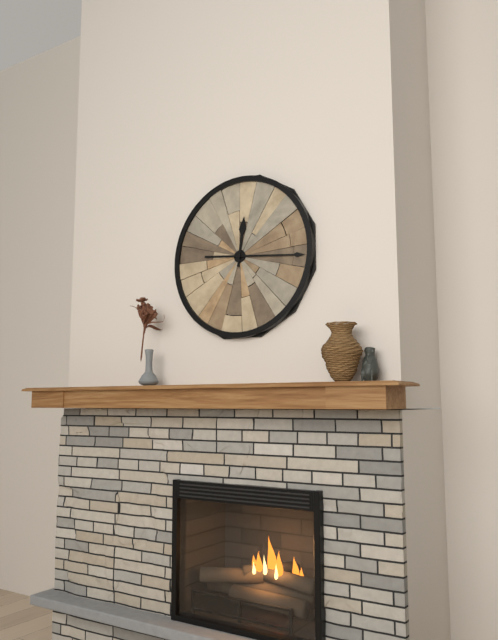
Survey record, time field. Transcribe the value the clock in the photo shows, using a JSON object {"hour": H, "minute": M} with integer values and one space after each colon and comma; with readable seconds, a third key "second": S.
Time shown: {"hour": 12, "minute": 16}
